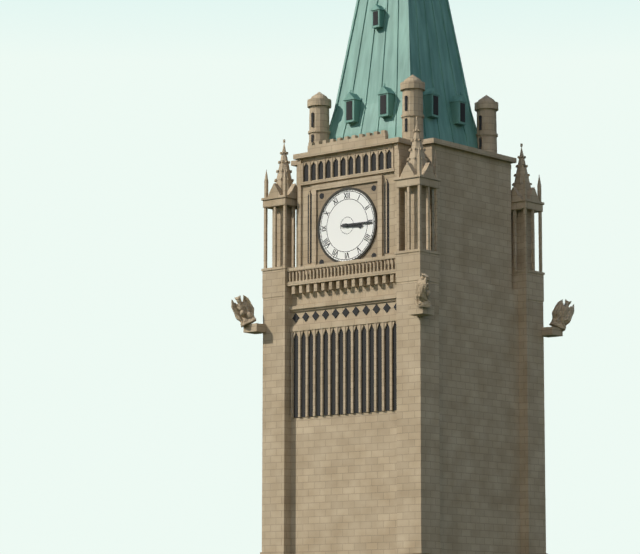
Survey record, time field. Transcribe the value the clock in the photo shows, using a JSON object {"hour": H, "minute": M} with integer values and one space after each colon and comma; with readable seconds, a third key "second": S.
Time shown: {"hour": 3, "minute": 15}
